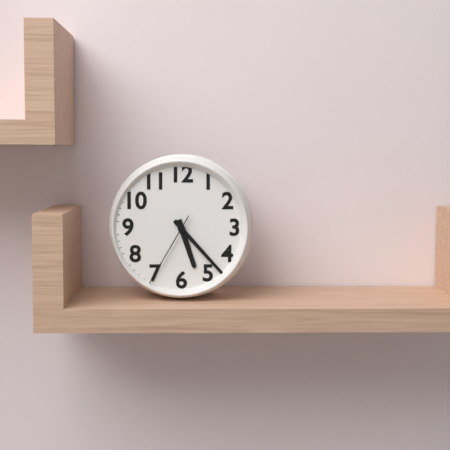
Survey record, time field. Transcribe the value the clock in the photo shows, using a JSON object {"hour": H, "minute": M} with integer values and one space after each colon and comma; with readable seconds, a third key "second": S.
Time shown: {"hour": 5, "minute": 23, "second": 35}
